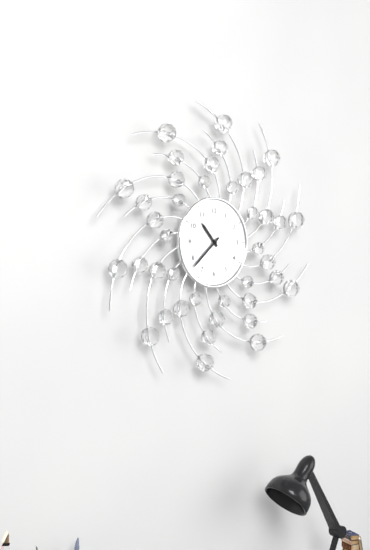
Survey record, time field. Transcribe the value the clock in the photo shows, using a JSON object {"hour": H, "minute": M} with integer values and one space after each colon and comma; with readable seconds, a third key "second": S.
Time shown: {"hour": 10, "minute": 38}
